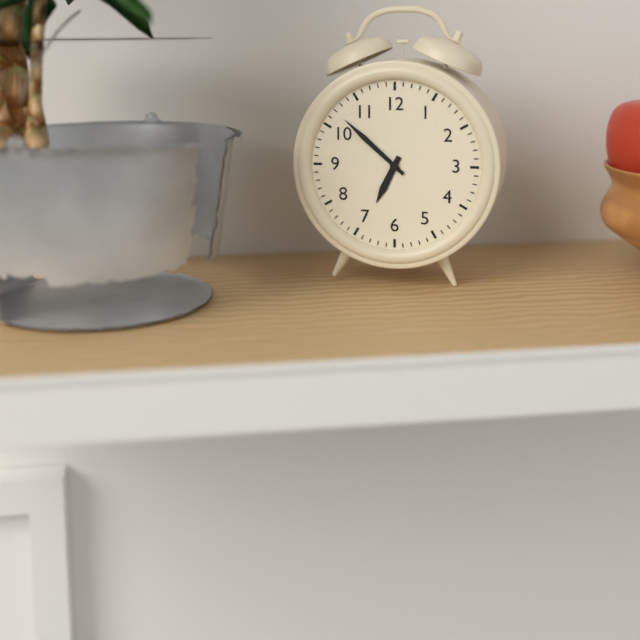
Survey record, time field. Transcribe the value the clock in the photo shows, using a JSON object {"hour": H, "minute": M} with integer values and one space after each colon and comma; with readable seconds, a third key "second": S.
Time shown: {"hour": 6, "minute": 52}
